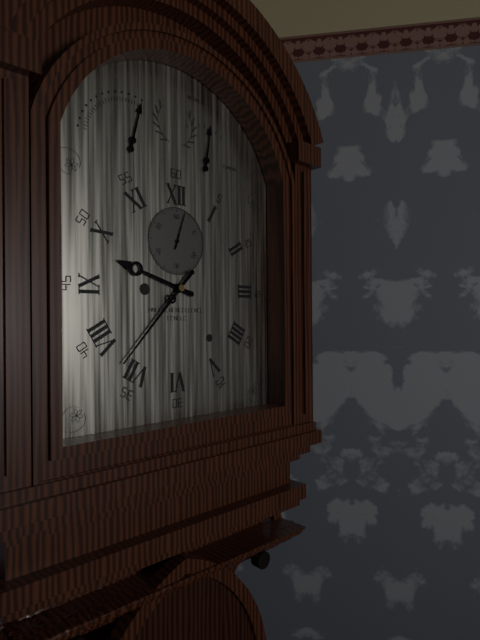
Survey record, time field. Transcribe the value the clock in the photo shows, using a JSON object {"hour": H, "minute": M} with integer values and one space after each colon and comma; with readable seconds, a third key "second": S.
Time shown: {"hour": 9, "minute": 37}
